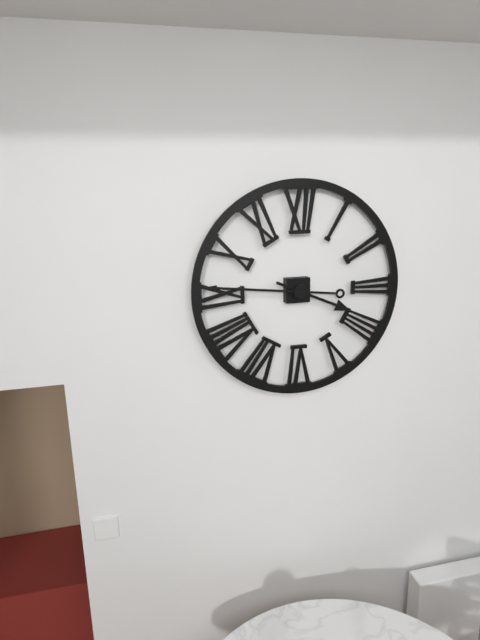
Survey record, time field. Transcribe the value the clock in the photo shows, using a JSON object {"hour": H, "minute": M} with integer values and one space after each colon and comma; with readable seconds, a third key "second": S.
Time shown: {"hour": 3, "minute": 46}
